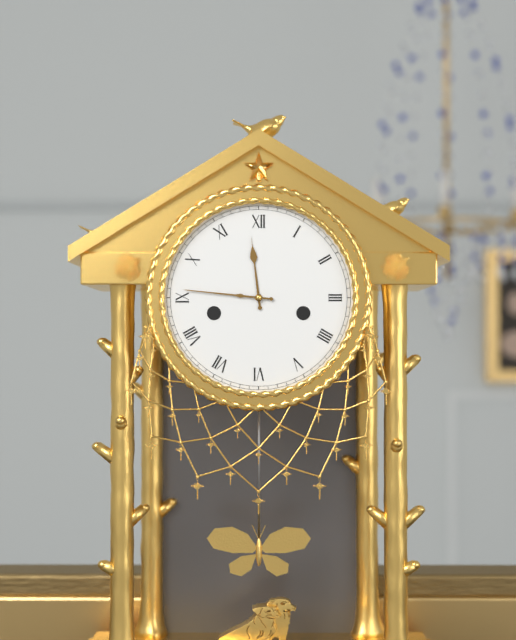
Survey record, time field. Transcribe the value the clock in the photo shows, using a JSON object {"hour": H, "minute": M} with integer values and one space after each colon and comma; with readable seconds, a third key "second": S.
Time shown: {"hour": 11, "minute": 46}
